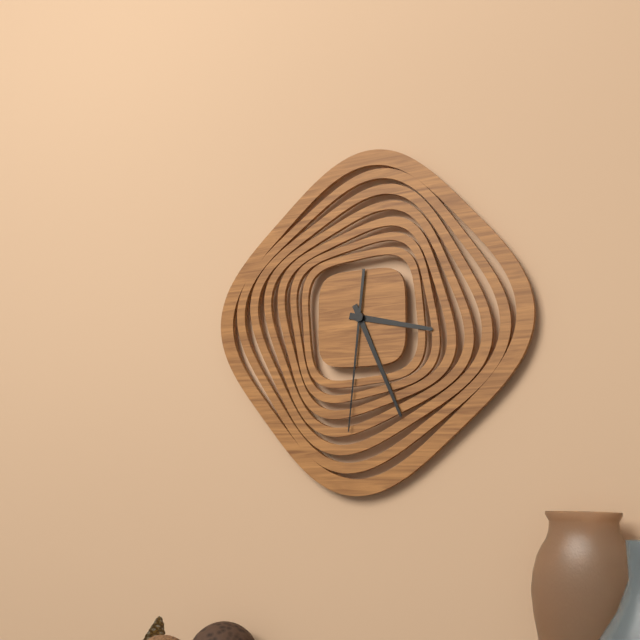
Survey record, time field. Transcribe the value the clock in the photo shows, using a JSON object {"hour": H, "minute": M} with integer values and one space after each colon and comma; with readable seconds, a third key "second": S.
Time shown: {"hour": 3, "minute": 26, "second": 31}
